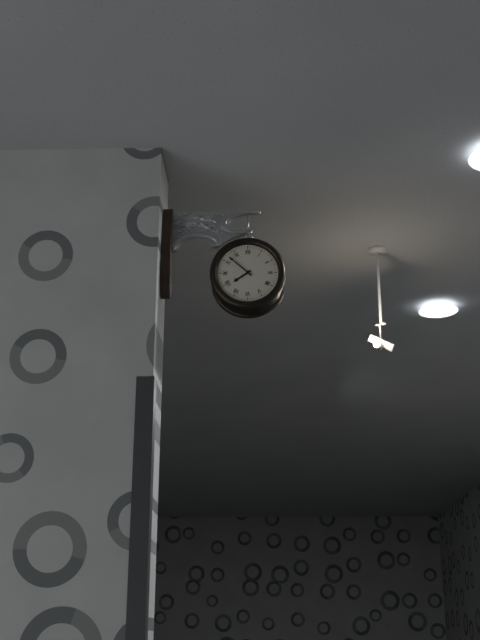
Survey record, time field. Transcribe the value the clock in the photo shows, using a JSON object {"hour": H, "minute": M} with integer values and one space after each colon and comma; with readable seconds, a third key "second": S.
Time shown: {"hour": 7, "minute": 52}
